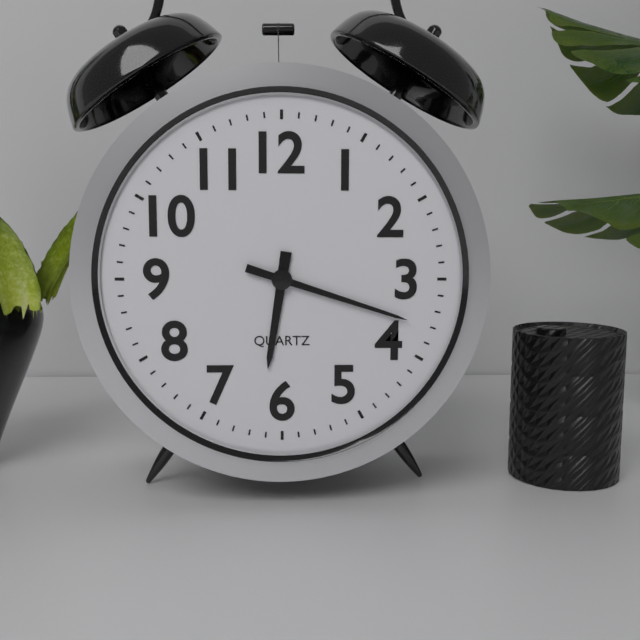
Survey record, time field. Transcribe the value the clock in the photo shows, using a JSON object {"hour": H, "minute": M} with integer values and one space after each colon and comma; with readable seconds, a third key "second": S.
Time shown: {"hour": 6, "minute": 18}
